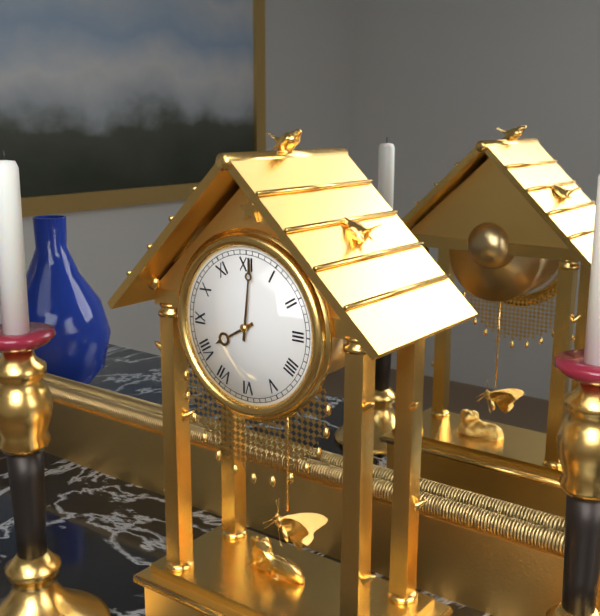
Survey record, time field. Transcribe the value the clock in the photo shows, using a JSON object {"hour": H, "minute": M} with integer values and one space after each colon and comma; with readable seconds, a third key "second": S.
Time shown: {"hour": 8, "minute": 1}
